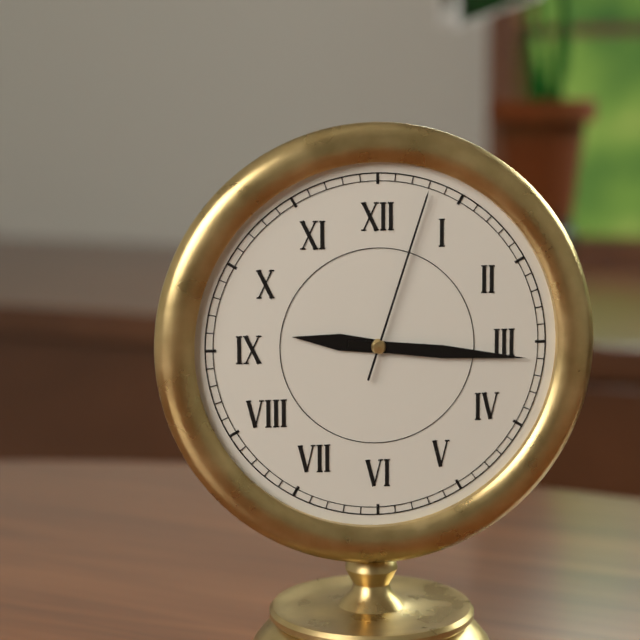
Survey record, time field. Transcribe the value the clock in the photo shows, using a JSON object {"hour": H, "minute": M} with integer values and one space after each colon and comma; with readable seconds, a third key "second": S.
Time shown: {"hour": 9, "minute": 16, "second": 3}
